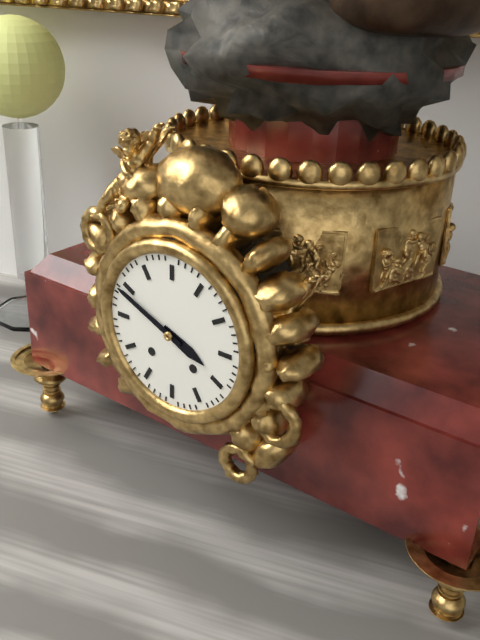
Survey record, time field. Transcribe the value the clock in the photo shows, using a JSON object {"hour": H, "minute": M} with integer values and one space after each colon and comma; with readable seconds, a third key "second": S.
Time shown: {"hour": 3, "minute": 49}
